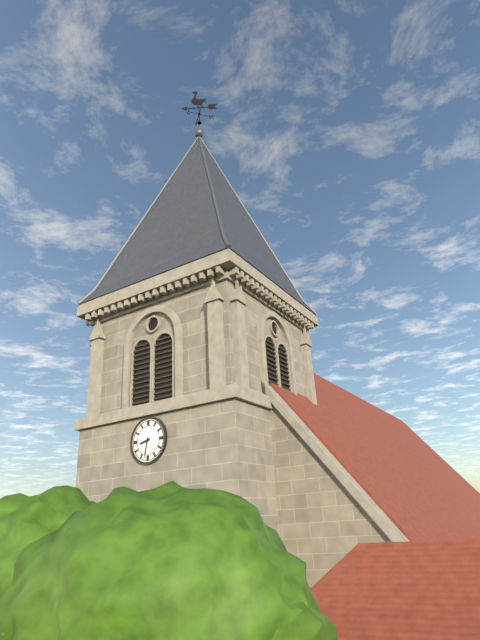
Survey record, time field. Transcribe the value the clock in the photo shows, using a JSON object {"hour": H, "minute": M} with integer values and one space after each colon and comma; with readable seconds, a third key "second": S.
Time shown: {"hour": 8, "minute": 32}
